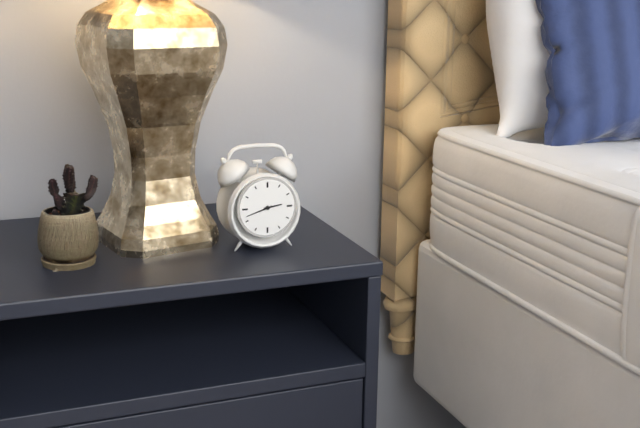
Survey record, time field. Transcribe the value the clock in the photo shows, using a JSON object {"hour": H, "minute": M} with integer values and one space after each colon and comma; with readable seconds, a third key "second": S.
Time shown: {"hour": 2, "minute": 42}
